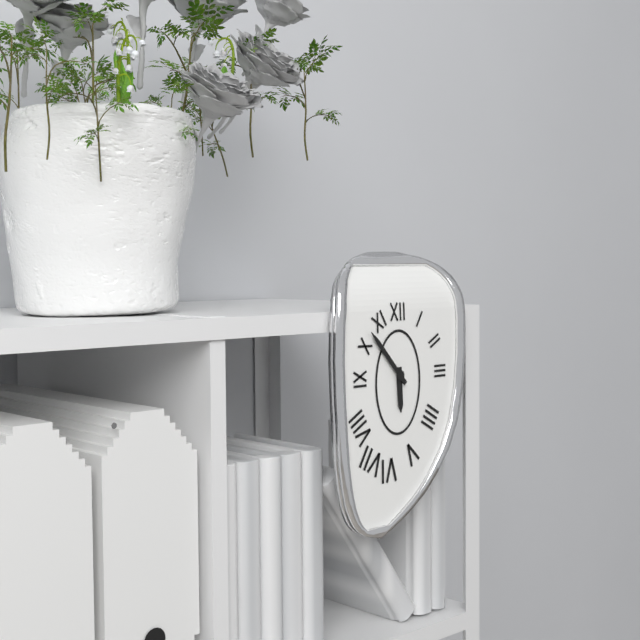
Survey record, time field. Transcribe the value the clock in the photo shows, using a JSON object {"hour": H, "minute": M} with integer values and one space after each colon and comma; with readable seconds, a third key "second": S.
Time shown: {"hour": 5, "minute": 53}
